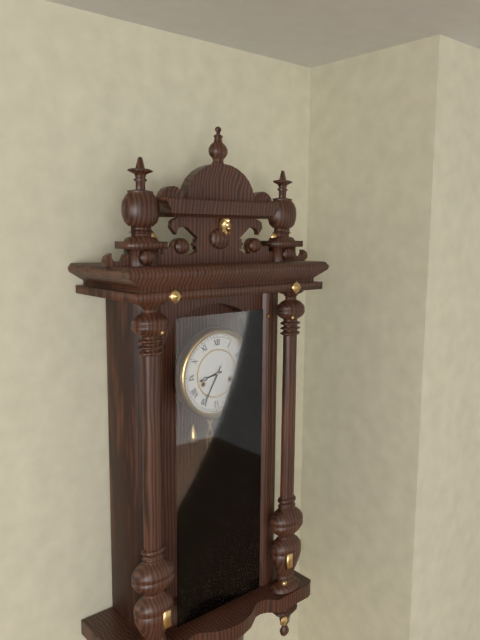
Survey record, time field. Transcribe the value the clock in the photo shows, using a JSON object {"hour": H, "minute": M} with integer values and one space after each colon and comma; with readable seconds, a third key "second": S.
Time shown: {"hour": 8, "minute": 35}
